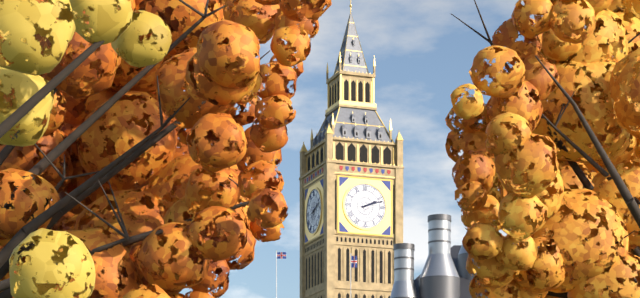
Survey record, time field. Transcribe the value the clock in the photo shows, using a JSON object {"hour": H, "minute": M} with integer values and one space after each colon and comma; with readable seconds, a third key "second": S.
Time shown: {"hour": 2, "minute": 12}
